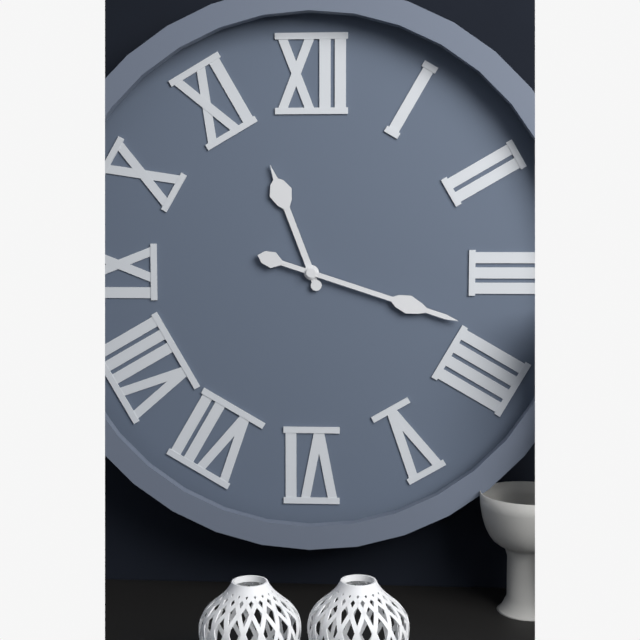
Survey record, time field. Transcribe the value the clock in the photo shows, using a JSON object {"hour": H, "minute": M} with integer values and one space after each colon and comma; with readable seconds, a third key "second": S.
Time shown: {"hour": 11, "minute": 18}
